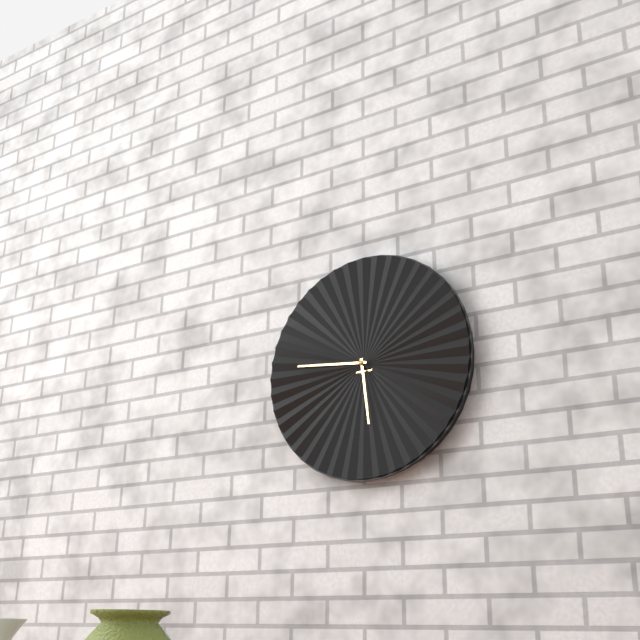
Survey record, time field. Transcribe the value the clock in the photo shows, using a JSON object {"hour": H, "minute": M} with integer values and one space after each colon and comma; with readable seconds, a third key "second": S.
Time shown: {"hour": 5, "minute": 46}
